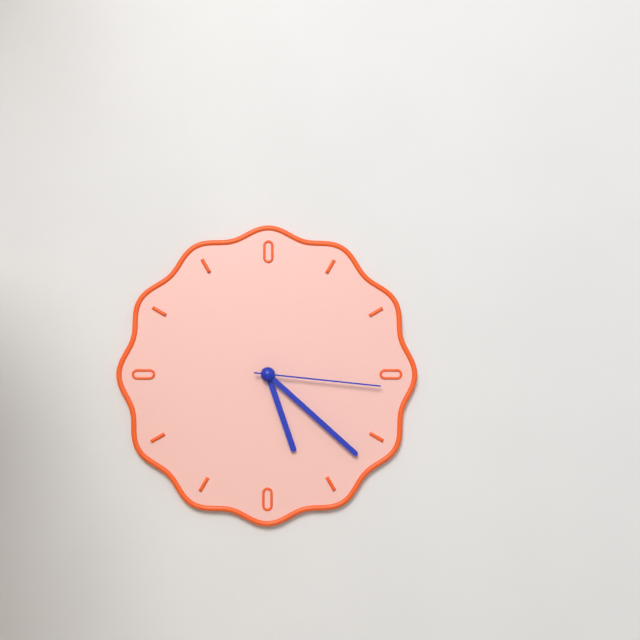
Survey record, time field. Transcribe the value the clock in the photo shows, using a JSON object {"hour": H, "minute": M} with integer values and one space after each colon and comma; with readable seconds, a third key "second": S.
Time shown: {"hour": 5, "minute": 22, "second": 16}
